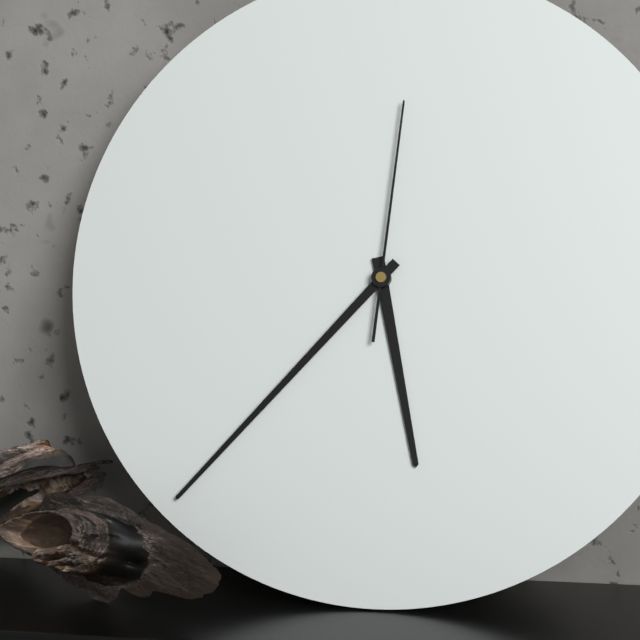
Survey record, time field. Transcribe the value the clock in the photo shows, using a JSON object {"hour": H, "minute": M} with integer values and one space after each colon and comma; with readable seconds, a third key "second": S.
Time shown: {"hour": 5, "minute": 37, "second": 1}
